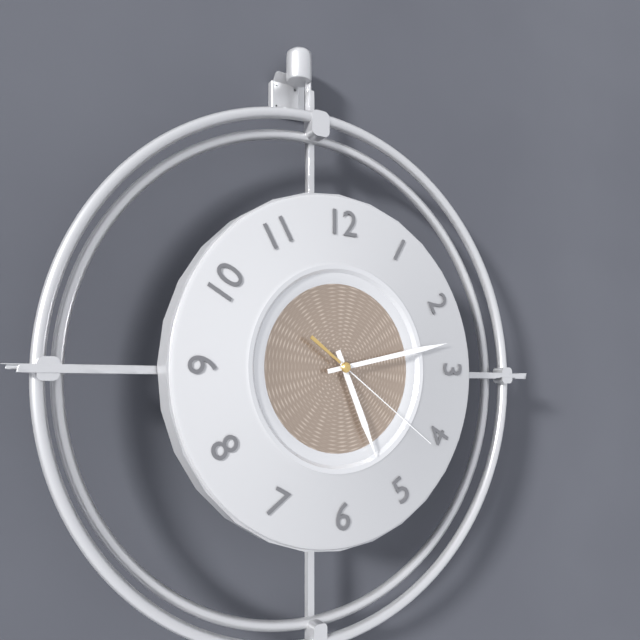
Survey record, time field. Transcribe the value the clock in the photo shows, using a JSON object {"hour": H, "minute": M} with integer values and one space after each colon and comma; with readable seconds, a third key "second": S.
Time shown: {"hour": 5, "minute": 13, "second": 21}
